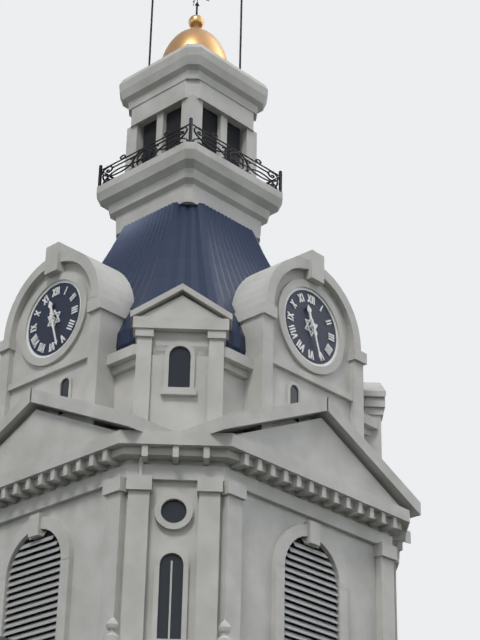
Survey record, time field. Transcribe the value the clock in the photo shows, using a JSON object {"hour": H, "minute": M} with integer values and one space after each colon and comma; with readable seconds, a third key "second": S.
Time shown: {"hour": 11, "minute": 27}
